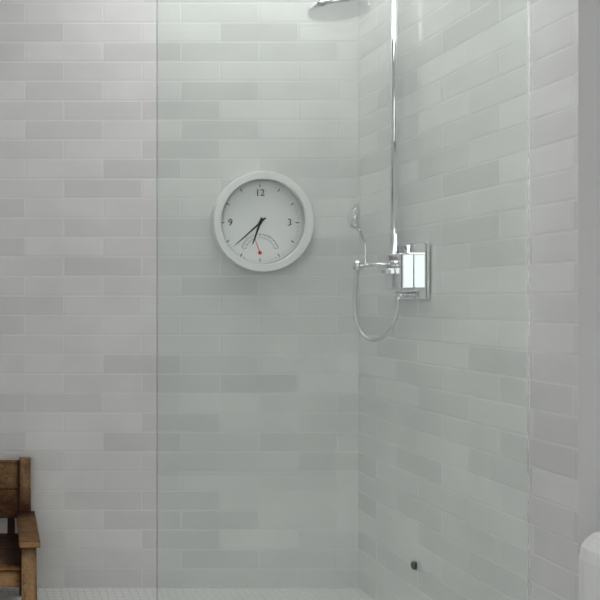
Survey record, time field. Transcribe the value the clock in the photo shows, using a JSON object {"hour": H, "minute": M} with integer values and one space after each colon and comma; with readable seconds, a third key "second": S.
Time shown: {"hour": 6, "minute": 38}
